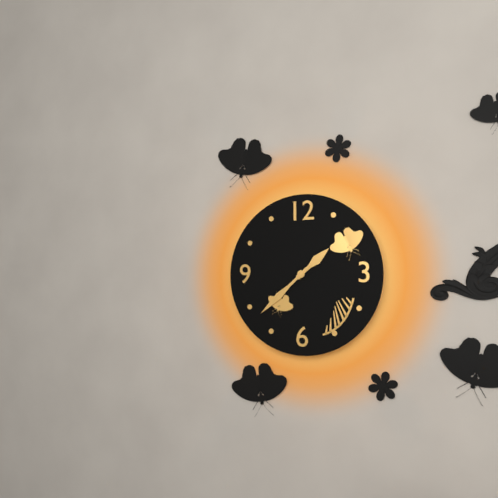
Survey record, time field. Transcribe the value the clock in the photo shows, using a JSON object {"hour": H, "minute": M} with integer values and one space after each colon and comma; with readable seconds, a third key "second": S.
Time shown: {"hour": 1, "minute": 38}
